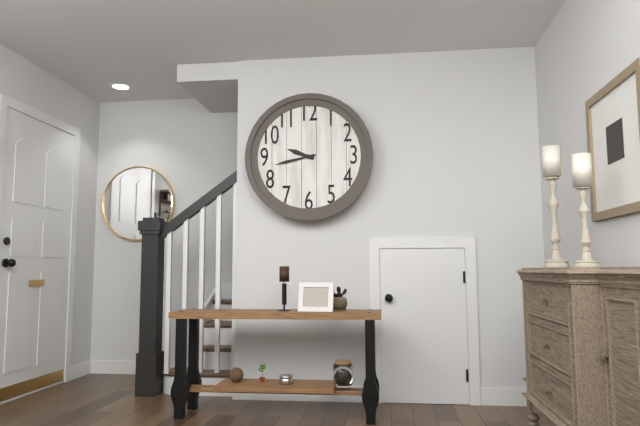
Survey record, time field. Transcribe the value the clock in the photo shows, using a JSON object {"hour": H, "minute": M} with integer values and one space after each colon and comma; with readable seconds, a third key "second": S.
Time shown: {"hour": 9, "minute": 43}
